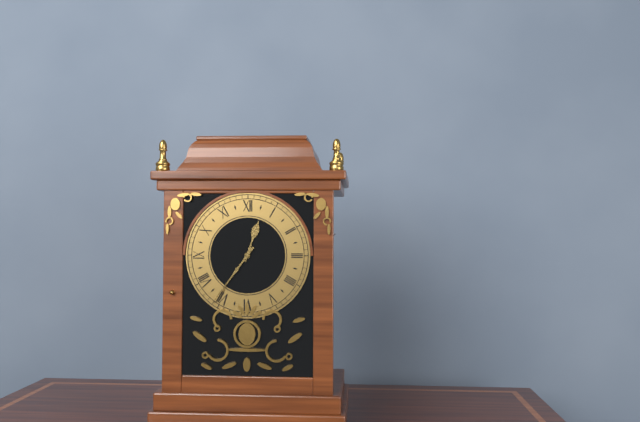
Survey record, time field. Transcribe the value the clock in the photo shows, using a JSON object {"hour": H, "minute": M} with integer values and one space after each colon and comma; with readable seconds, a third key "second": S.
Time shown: {"hour": 12, "minute": 36}
